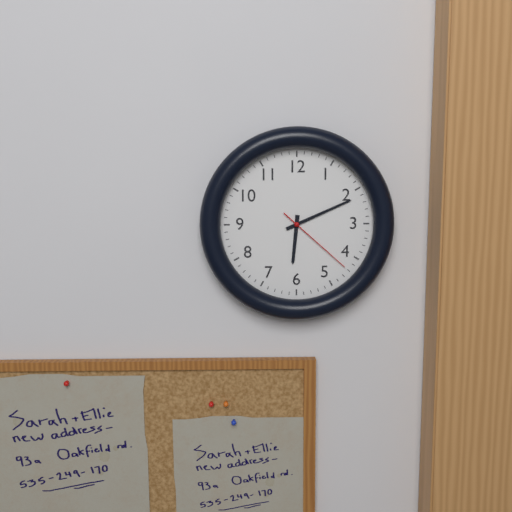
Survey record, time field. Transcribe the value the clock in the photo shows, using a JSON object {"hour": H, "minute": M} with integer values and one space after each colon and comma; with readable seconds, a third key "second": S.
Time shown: {"hour": 6, "minute": 11, "second": 22}
